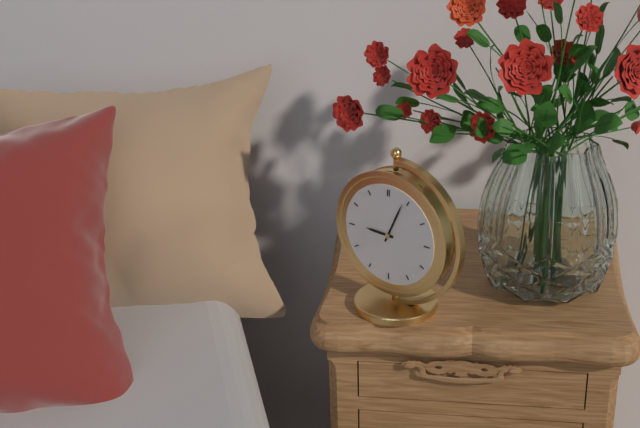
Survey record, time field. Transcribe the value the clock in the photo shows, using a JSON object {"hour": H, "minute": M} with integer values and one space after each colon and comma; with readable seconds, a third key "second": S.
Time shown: {"hour": 9, "minute": 4}
